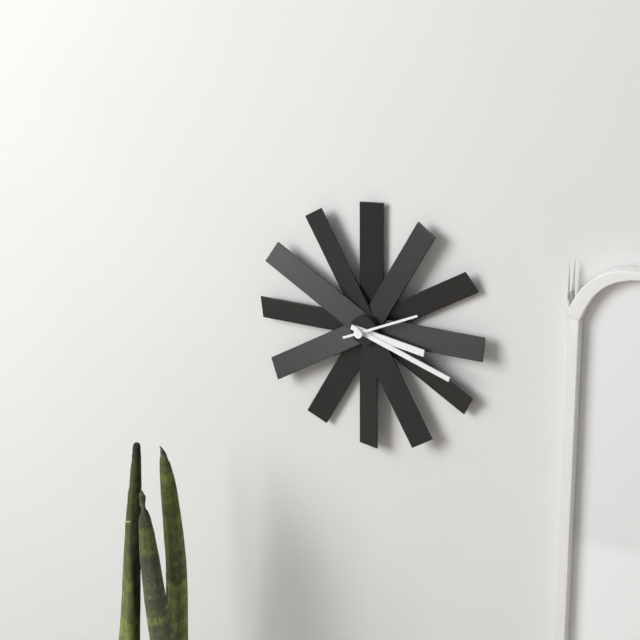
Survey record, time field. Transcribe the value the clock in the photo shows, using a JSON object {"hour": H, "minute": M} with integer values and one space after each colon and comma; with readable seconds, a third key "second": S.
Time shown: {"hour": 3, "minute": 18, "second": 11}
